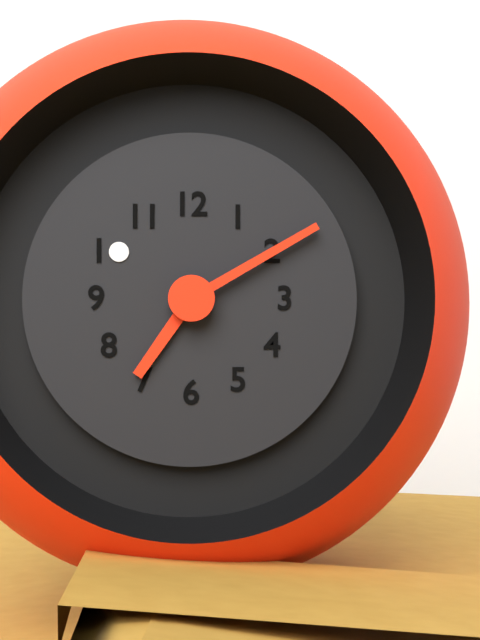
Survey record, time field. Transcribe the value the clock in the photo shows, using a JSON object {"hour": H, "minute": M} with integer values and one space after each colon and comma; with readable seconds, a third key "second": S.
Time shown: {"hour": 7, "minute": 10}
